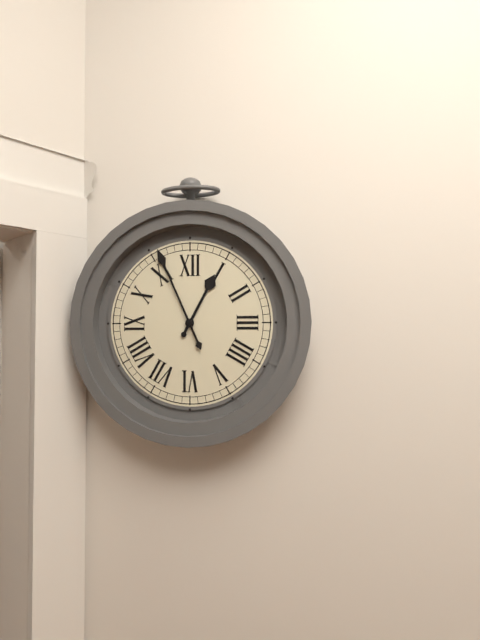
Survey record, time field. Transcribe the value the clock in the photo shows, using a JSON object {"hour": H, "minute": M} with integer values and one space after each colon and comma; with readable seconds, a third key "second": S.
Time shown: {"hour": 12, "minute": 56}
